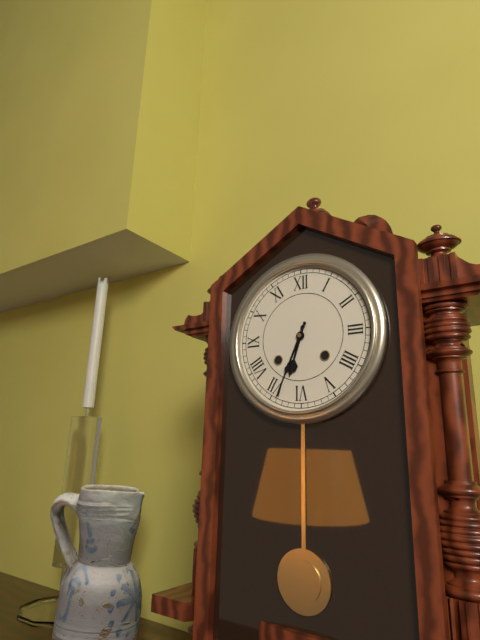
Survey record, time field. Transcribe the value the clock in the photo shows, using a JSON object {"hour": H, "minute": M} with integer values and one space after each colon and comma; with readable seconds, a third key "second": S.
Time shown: {"hour": 6, "minute": 34}
